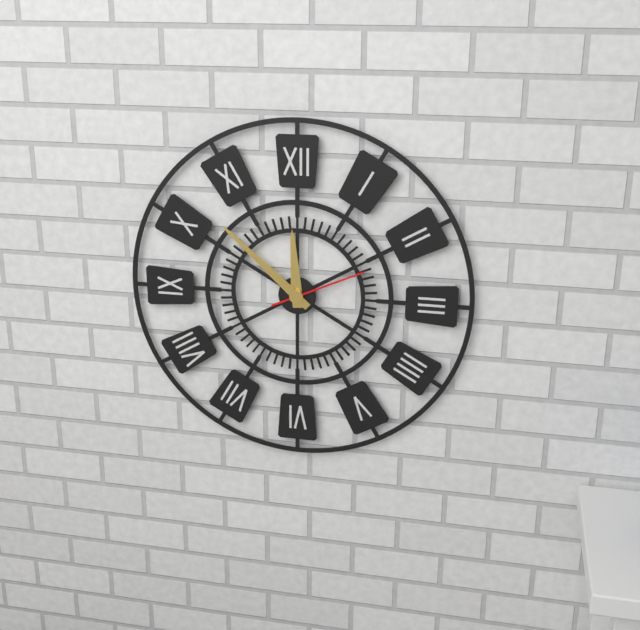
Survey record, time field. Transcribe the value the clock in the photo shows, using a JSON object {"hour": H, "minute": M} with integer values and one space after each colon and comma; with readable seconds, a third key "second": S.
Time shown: {"hour": 11, "minute": 52, "second": 11}
